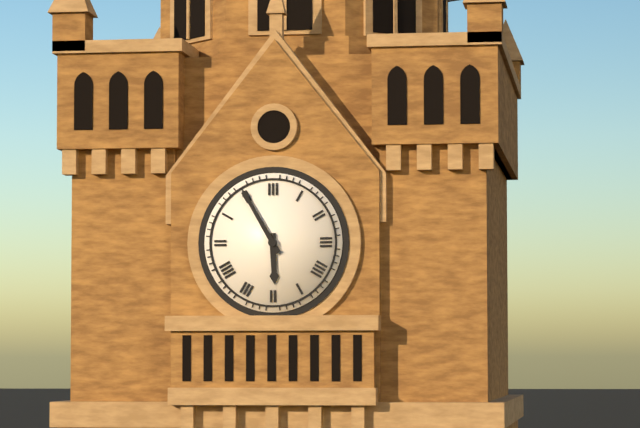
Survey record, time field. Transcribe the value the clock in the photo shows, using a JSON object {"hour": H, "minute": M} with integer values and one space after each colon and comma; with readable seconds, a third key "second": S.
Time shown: {"hour": 5, "minute": 55}
